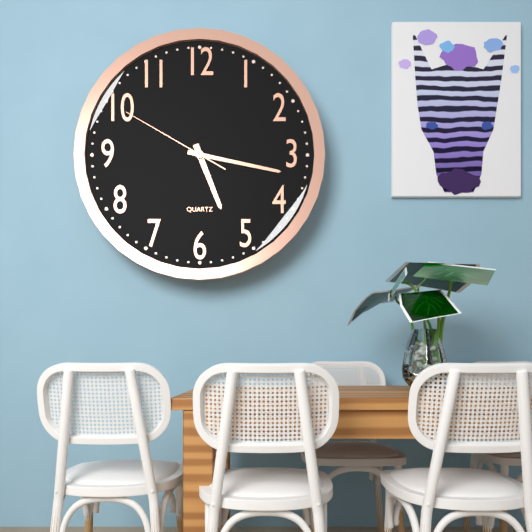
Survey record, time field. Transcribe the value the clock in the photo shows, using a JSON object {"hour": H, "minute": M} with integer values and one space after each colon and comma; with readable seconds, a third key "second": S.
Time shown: {"hour": 5, "minute": 17, "second": 50}
